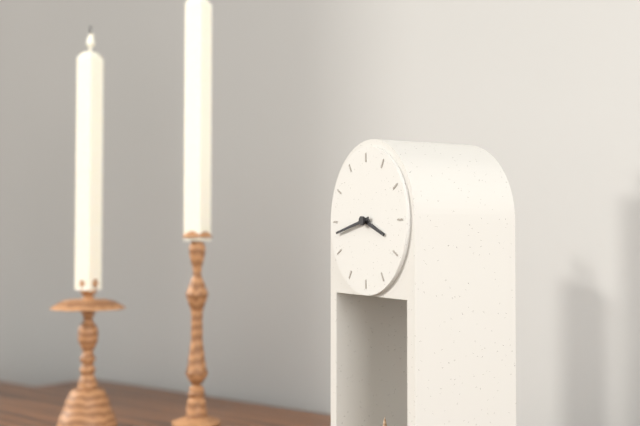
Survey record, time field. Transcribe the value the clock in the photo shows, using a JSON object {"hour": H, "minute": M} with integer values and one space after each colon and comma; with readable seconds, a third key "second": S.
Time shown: {"hour": 3, "minute": 43}
